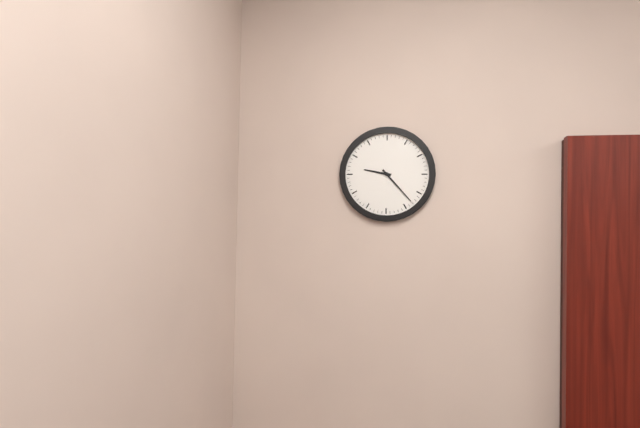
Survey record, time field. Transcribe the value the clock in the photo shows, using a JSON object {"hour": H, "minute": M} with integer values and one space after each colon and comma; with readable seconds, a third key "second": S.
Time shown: {"hour": 9, "minute": 23}
